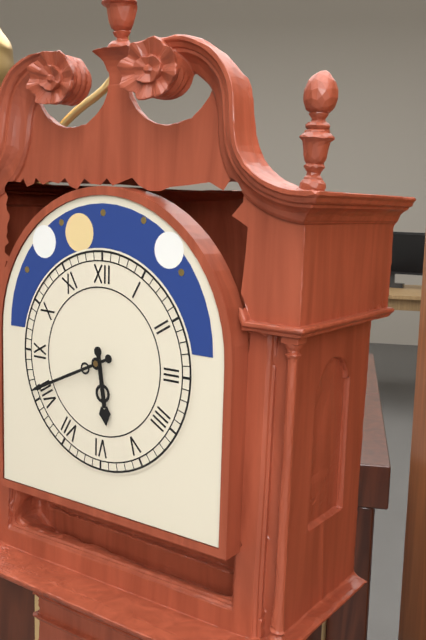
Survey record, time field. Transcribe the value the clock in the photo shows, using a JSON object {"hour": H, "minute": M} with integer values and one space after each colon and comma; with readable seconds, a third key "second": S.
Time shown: {"hour": 5, "minute": 41}
